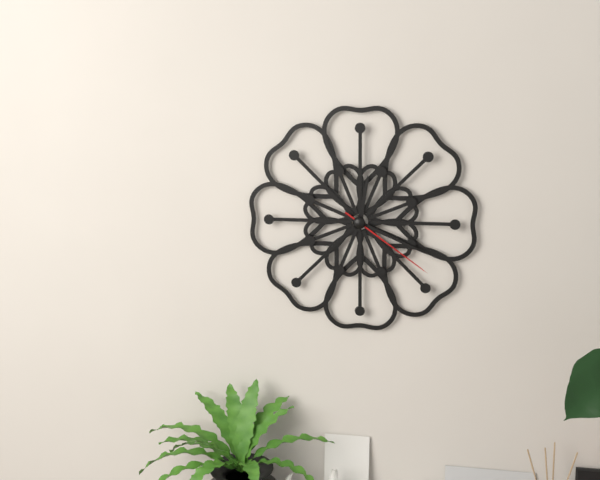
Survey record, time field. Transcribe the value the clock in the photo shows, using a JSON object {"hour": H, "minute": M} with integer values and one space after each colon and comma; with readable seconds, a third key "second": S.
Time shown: {"hour": 12, "minute": 19, "second": 21}
